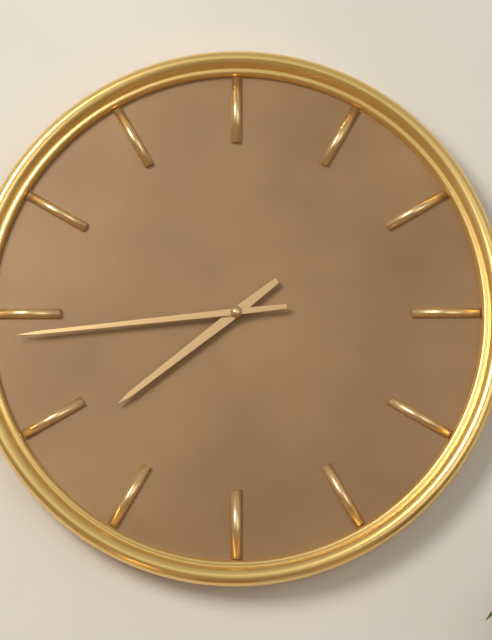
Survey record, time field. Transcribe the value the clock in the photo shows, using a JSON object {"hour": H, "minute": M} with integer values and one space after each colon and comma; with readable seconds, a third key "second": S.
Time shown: {"hour": 7, "minute": 44}
